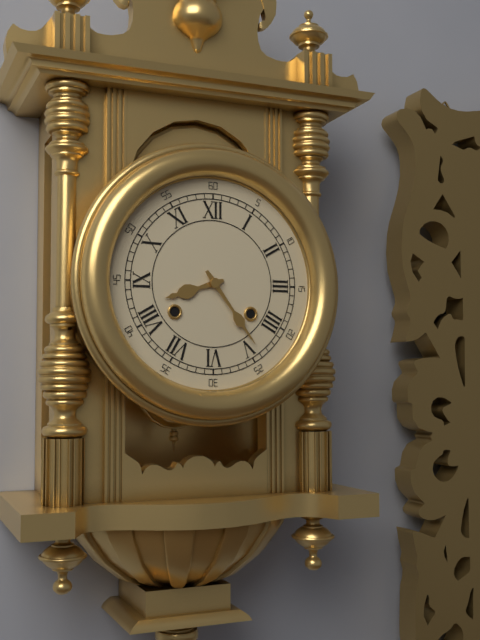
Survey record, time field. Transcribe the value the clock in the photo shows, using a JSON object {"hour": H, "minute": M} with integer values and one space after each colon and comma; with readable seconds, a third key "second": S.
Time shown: {"hour": 8, "minute": 24}
